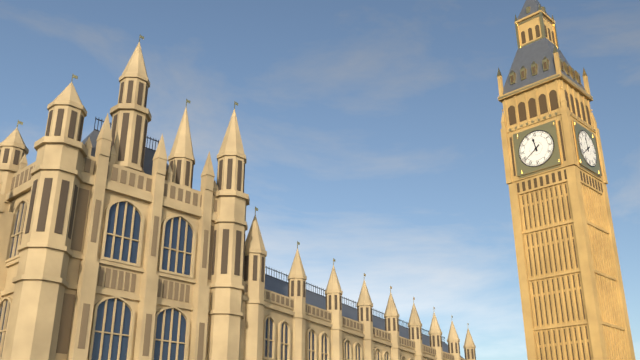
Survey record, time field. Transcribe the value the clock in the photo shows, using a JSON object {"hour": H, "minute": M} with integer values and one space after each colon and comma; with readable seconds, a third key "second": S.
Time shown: {"hour": 11, "minute": 39}
